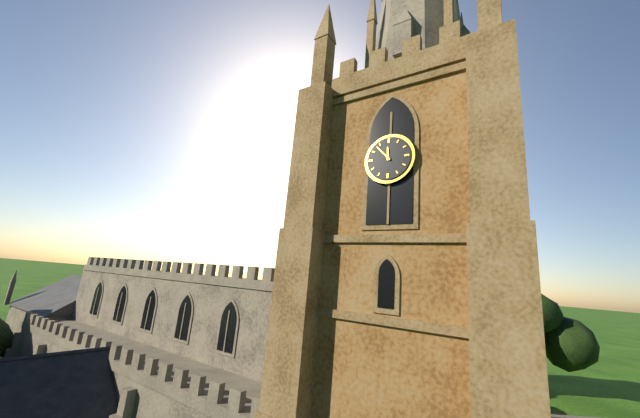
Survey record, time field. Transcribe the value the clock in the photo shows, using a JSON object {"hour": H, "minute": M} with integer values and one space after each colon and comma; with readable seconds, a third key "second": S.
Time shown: {"hour": 11, "minute": 53}
